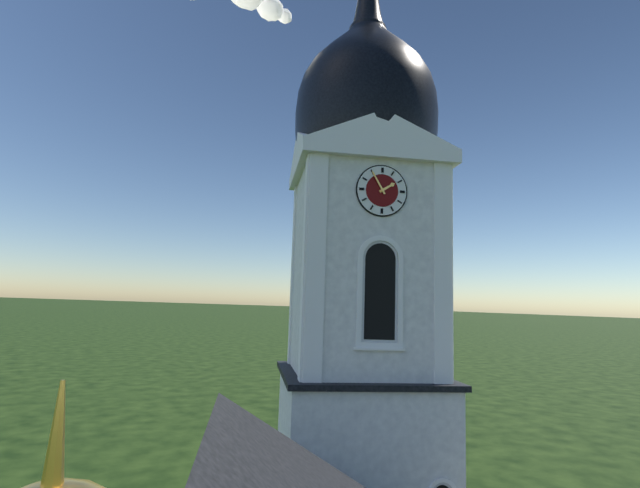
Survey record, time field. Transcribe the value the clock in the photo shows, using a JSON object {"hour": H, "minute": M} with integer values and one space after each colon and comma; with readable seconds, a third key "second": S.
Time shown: {"hour": 1, "minute": 55}
